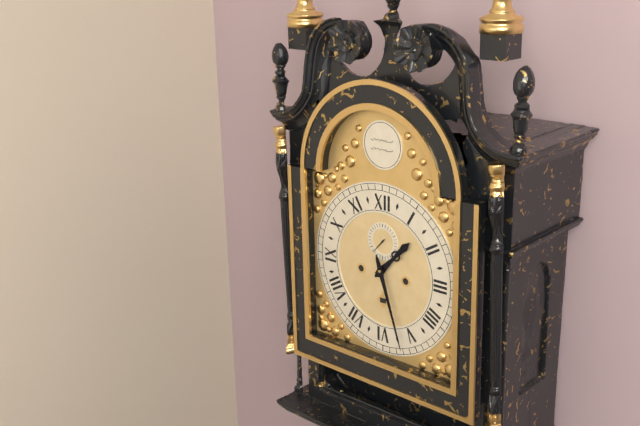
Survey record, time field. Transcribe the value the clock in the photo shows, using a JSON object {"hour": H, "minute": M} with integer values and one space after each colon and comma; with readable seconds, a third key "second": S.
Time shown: {"hour": 1, "minute": 27}
